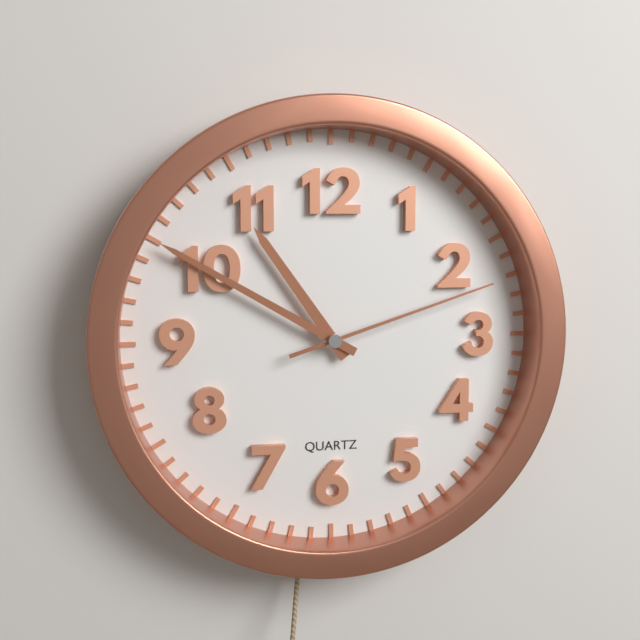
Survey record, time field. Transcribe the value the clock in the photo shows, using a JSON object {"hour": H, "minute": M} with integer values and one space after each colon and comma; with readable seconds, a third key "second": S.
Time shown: {"hour": 10, "minute": 50, "second": 12}
